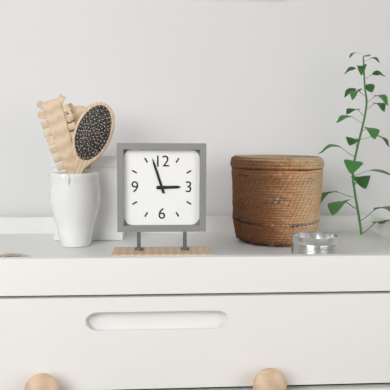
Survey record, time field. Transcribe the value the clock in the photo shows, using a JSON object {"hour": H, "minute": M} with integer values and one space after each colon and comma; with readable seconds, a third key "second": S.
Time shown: {"hour": 2, "minute": 57}
